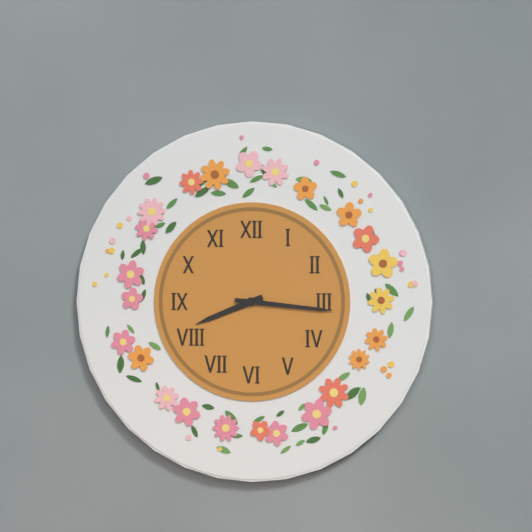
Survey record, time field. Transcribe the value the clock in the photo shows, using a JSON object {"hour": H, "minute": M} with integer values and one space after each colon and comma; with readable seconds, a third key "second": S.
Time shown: {"hour": 8, "minute": 16}
